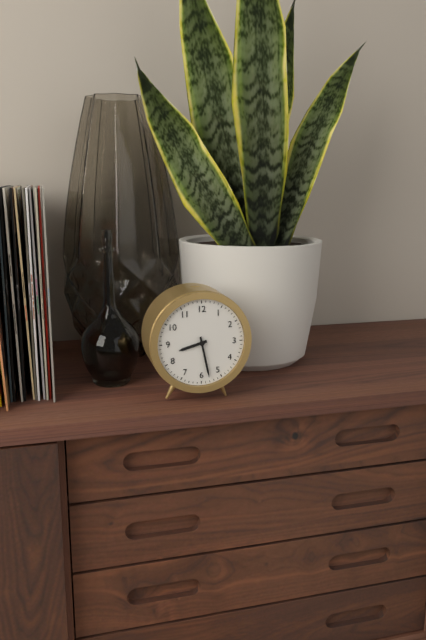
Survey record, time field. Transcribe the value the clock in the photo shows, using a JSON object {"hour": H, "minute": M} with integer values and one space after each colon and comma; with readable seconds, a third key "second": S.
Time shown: {"hour": 8, "minute": 28}
